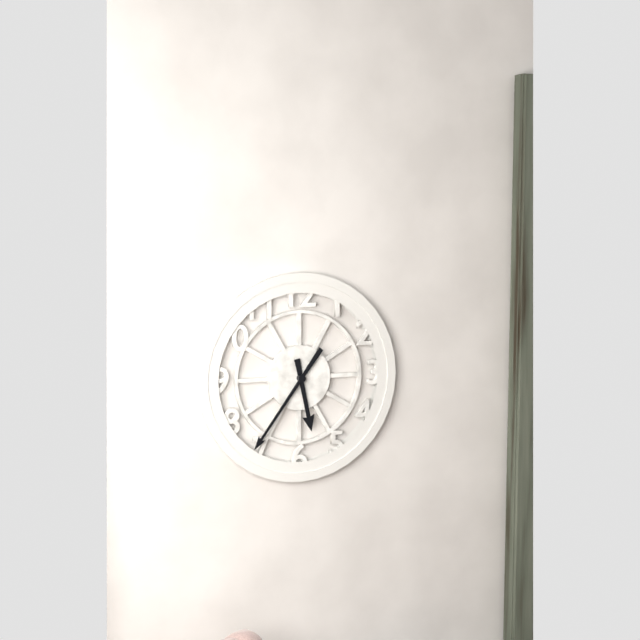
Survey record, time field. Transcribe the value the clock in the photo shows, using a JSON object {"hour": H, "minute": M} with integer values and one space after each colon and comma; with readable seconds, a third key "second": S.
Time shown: {"hour": 5, "minute": 36}
